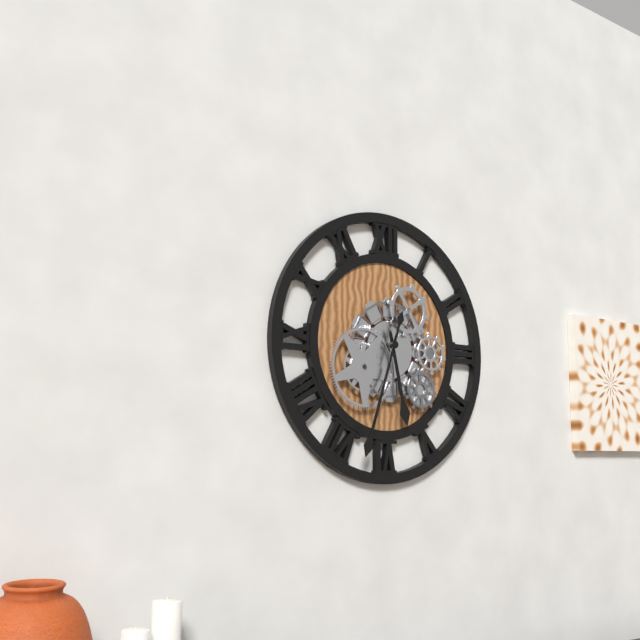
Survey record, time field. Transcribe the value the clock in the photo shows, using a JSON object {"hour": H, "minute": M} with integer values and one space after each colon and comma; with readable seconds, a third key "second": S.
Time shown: {"hour": 5, "minute": 33}
